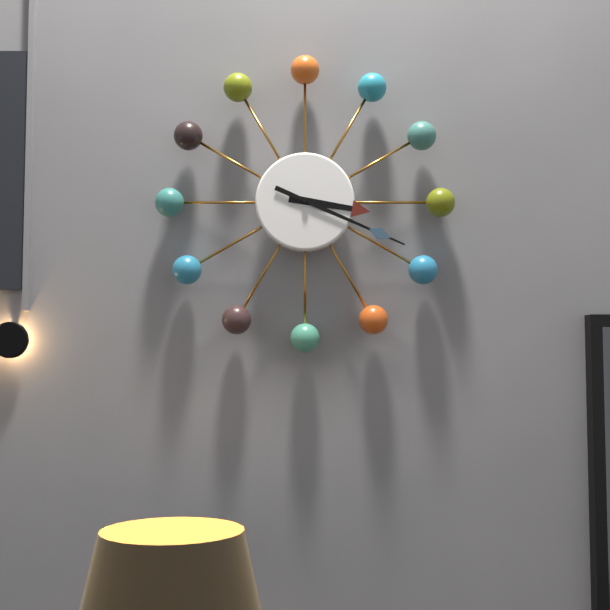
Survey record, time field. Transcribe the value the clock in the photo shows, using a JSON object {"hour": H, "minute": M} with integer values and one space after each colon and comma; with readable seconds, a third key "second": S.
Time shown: {"hour": 3, "minute": 19}
